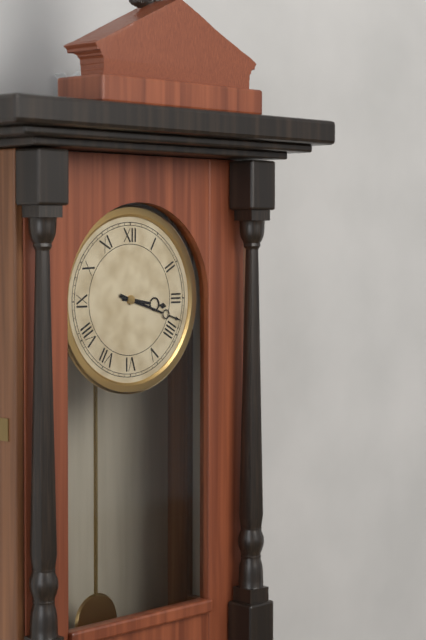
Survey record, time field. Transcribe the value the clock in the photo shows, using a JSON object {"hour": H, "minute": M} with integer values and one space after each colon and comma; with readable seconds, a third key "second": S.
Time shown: {"hour": 3, "minute": 18}
